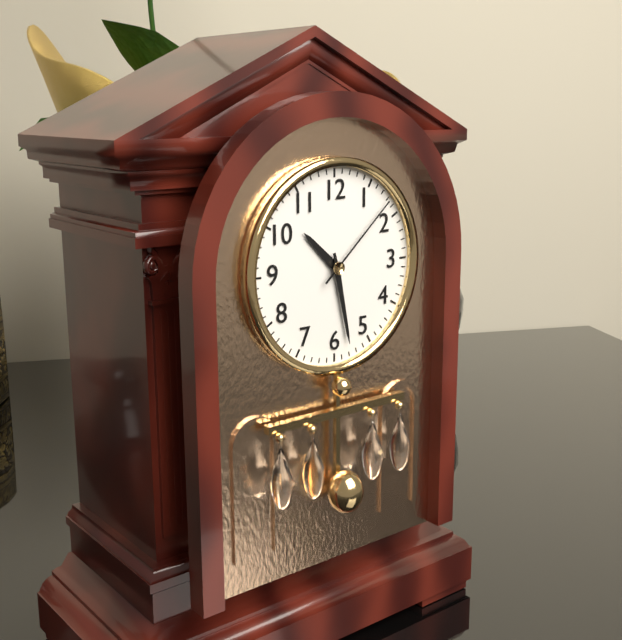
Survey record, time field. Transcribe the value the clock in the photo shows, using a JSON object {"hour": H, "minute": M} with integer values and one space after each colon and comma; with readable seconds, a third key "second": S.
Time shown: {"hour": 10, "minute": 28, "second": 8}
